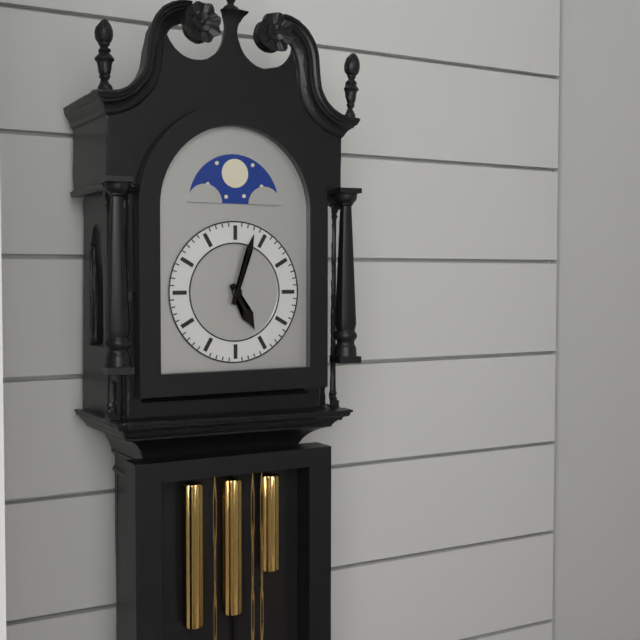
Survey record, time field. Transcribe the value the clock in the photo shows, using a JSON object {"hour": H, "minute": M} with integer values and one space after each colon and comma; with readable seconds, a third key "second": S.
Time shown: {"hour": 5, "minute": 3}
